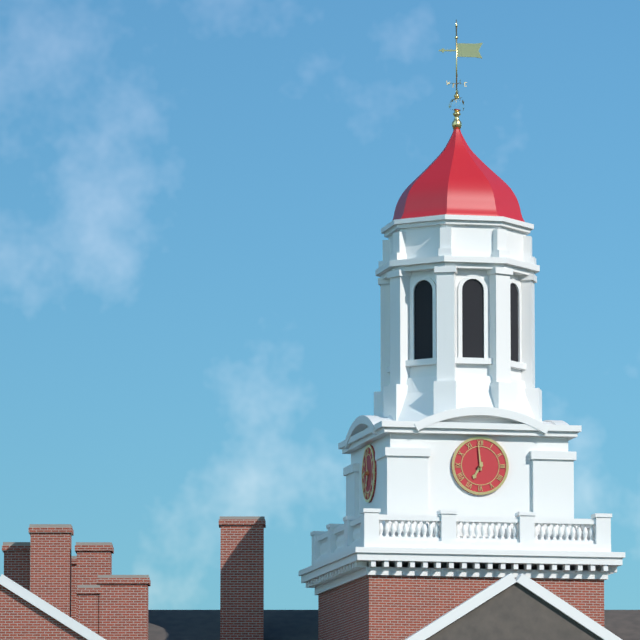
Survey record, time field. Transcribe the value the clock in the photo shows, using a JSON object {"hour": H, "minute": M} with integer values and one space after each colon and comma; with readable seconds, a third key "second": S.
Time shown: {"hour": 6, "minute": 59}
